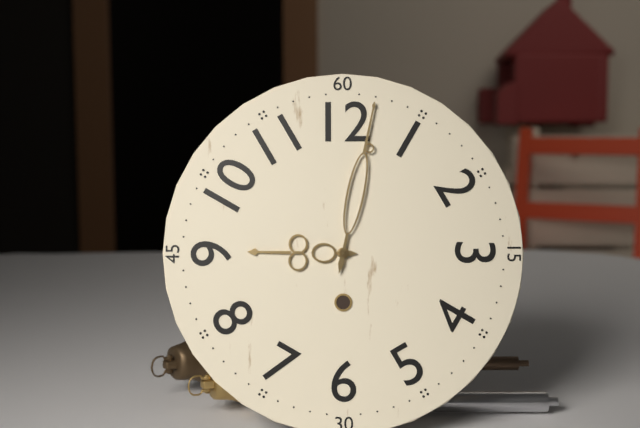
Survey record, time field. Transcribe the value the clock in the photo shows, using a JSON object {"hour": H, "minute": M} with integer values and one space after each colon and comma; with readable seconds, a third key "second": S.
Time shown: {"hour": 9, "minute": 2}
